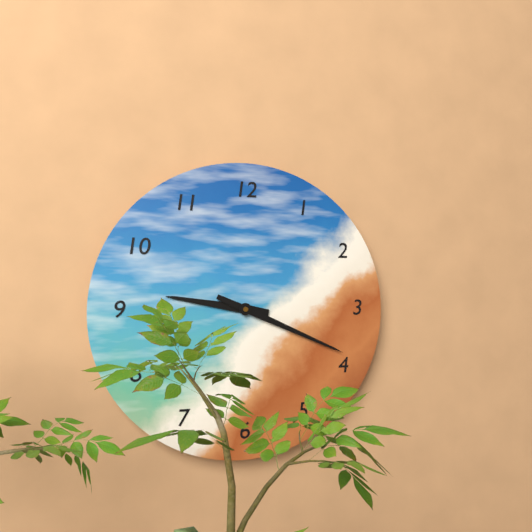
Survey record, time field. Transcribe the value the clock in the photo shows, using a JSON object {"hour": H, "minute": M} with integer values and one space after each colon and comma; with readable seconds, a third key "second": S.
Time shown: {"hour": 9, "minute": 19}
